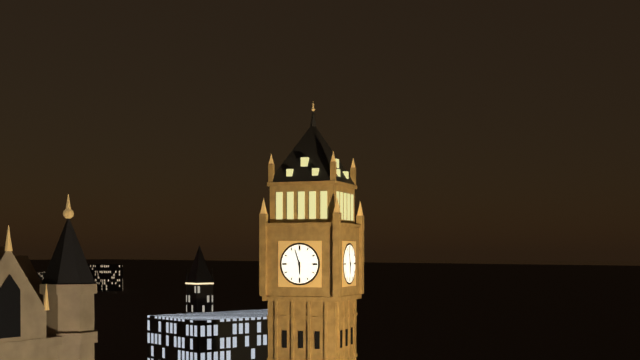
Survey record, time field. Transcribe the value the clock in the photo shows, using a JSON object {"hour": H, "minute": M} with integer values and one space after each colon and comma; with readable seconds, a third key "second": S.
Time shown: {"hour": 5, "minute": 57}
